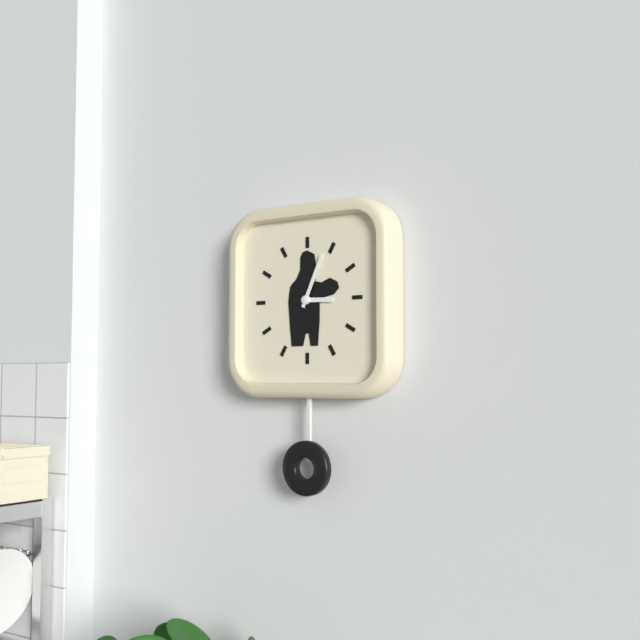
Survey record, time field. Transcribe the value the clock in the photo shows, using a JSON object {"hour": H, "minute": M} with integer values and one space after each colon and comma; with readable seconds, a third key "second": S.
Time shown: {"hour": 3, "minute": 4}
